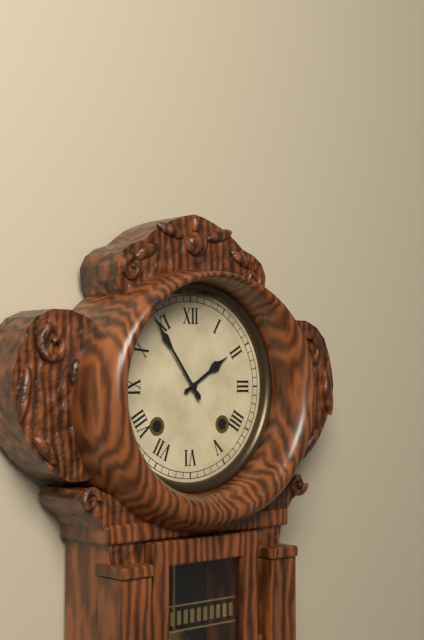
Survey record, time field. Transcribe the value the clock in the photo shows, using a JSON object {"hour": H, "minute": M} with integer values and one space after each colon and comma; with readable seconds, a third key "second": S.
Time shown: {"hour": 1, "minute": 54}
